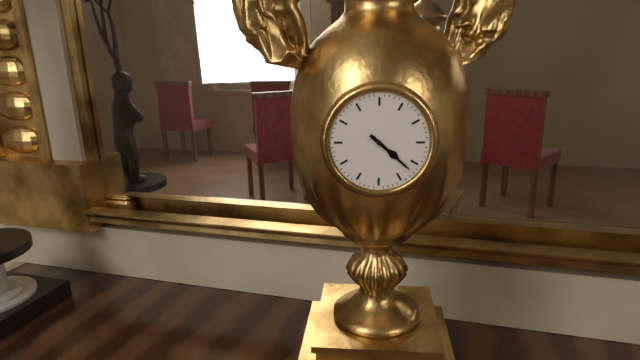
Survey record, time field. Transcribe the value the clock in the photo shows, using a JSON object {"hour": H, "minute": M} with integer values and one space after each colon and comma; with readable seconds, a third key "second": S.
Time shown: {"hour": 4, "minute": 22}
